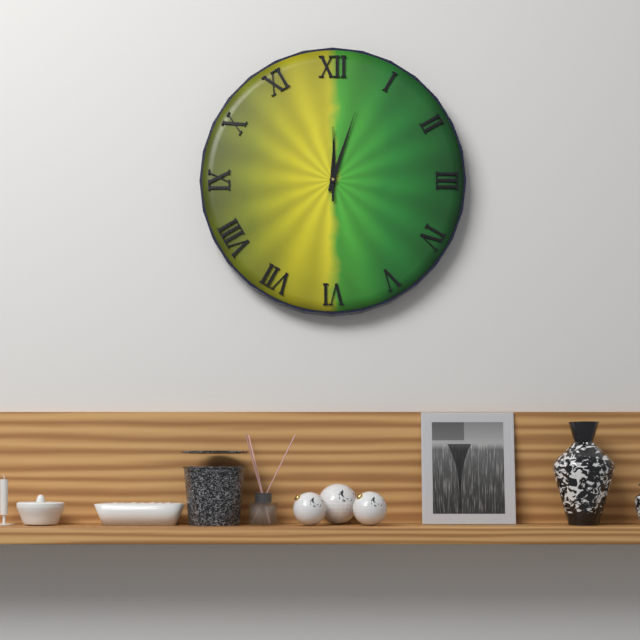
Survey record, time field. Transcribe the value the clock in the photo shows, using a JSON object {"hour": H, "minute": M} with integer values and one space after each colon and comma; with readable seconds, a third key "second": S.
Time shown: {"hour": 12, "minute": 3, "second": 0}
